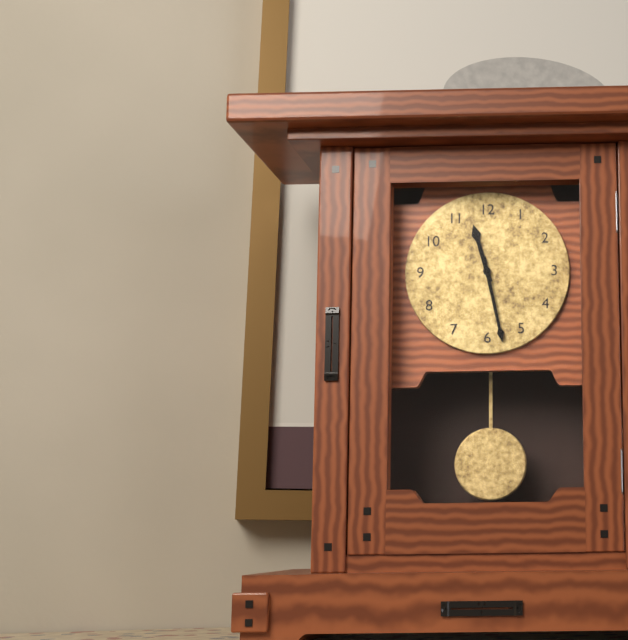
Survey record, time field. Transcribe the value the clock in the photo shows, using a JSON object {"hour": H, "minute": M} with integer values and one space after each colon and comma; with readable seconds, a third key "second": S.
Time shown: {"hour": 11, "minute": 28}
